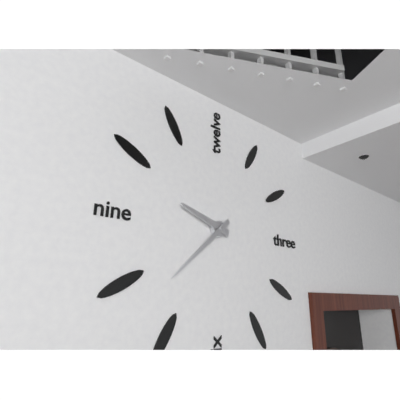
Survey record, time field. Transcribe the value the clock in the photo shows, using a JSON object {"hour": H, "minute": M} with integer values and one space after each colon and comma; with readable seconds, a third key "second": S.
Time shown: {"hour": 9, "minute": 38}
